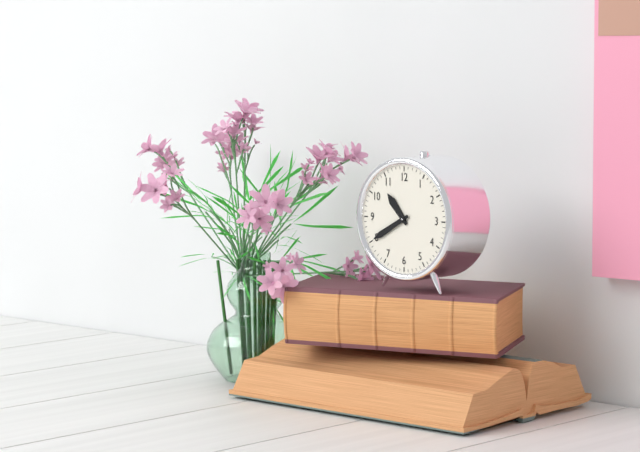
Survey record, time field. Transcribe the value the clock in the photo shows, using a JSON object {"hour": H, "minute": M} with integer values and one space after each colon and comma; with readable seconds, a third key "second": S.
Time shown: {"hour": 10, "minute": 40}
